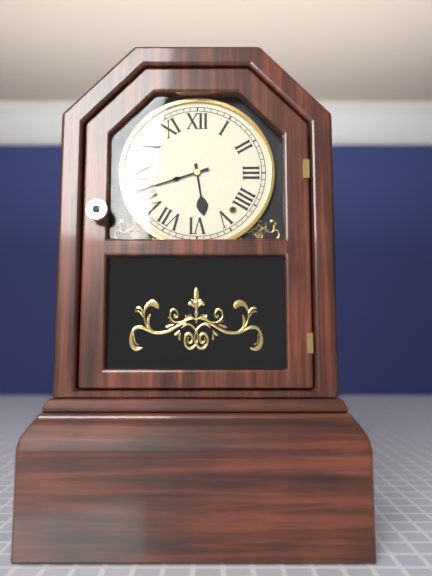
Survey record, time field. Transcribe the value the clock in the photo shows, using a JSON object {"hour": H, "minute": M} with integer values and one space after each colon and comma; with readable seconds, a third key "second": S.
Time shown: {"hour": 5, "minute": 42}
